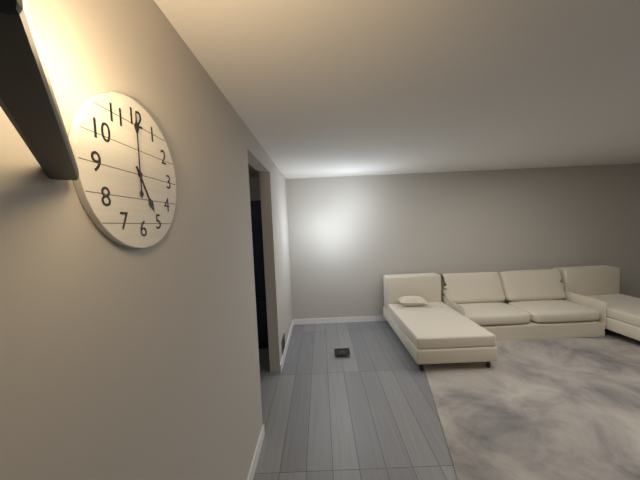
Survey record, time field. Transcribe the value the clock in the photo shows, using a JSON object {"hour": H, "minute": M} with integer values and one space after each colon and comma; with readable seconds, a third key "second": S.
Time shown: {"hour": 5, "minute": 0}
